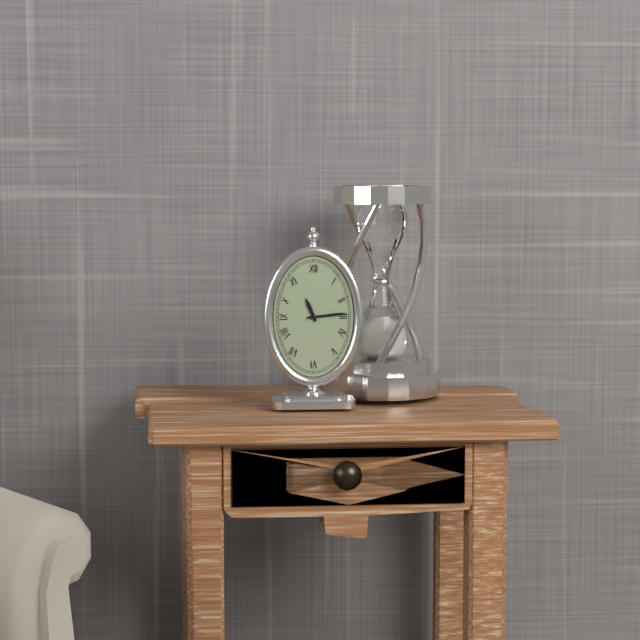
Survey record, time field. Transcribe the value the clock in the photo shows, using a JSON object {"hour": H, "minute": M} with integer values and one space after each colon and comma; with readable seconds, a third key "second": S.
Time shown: {"hour": 11, "minute": 14}
